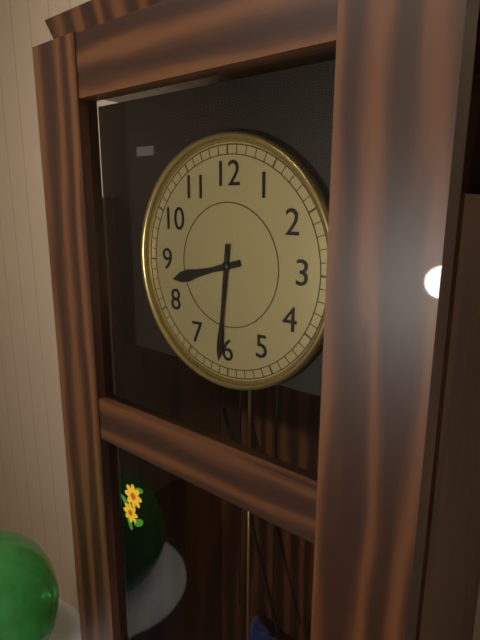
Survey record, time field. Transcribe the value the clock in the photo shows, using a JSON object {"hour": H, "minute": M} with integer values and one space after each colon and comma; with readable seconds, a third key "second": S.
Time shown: {"hour": 8, "minute": 31}
